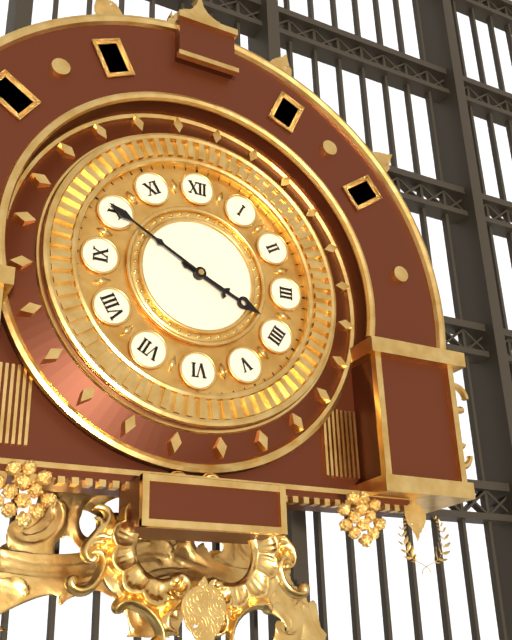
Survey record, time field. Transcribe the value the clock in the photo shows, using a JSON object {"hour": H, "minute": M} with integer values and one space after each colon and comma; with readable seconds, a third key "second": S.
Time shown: {"hour": 3, "minute": 50}
